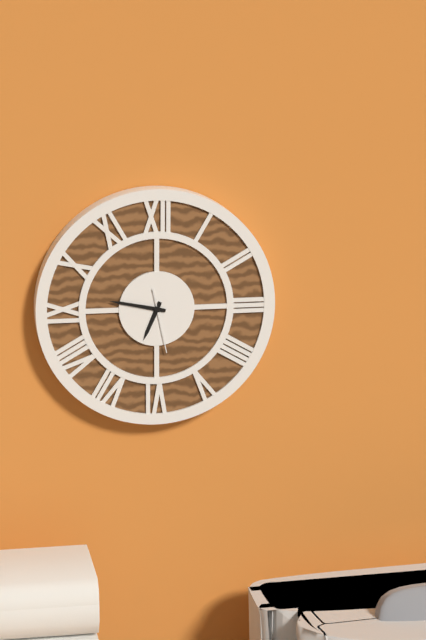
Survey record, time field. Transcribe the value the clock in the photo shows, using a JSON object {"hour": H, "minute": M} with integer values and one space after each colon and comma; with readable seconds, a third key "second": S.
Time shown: {"hour": 6, "minute": 47, "second": 28}
